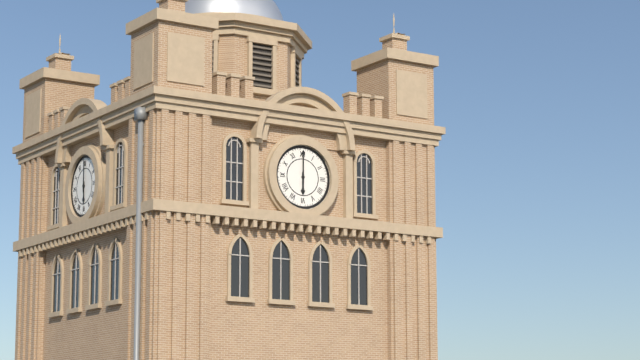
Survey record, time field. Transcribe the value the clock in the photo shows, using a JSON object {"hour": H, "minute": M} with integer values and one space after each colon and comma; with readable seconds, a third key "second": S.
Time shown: {"hour": 6, "minute": 0}
